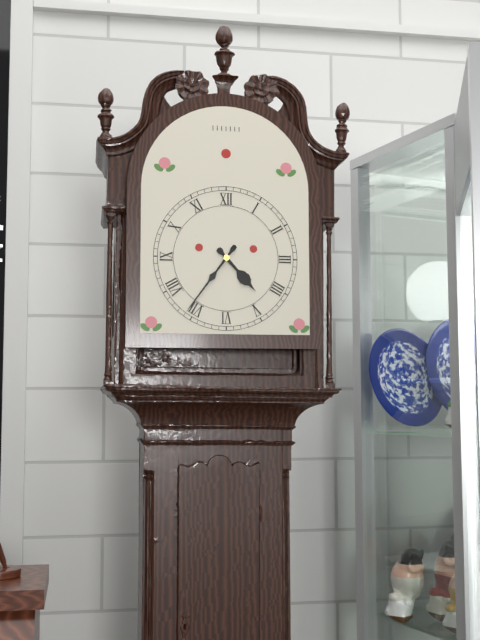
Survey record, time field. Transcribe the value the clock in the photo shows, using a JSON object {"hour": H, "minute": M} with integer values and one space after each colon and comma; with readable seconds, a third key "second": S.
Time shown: {"hour": 4, "minute": 36}
